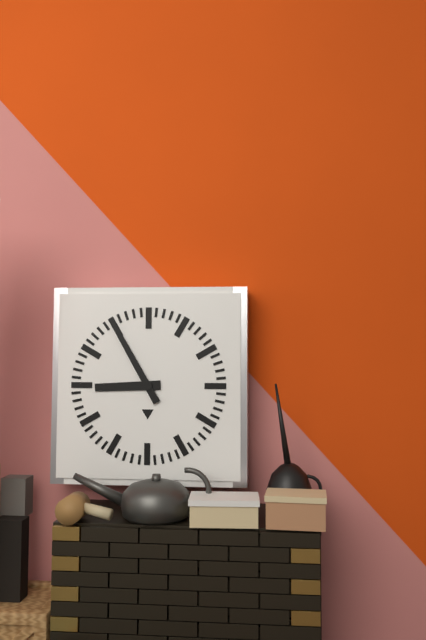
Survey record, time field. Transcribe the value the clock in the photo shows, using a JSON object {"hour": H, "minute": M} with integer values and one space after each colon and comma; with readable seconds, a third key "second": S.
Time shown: {"hour": 8, "minute": 55}
